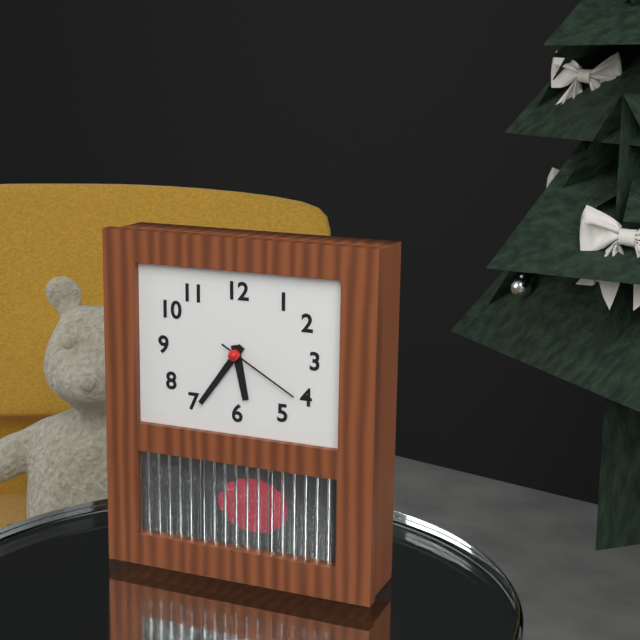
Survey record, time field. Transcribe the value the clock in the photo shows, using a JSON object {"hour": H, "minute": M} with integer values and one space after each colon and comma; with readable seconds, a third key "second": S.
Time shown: {"hour": 5, "minute": 36, "second": 20}
